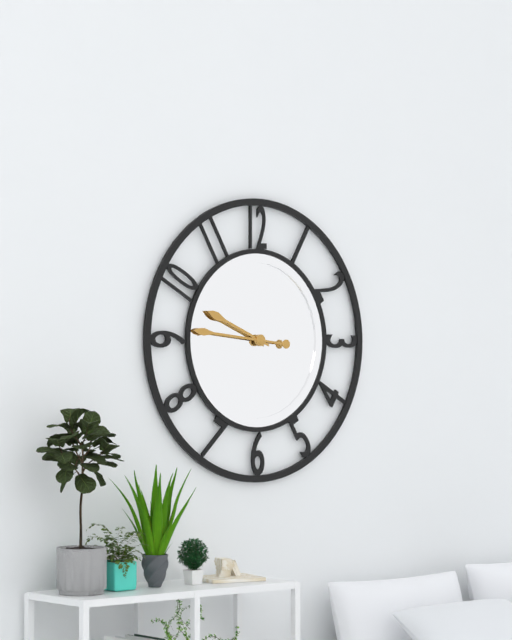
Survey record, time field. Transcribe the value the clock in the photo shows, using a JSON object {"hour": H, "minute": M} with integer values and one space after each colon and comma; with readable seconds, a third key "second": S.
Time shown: {"hour": 9, "minute": 46}
